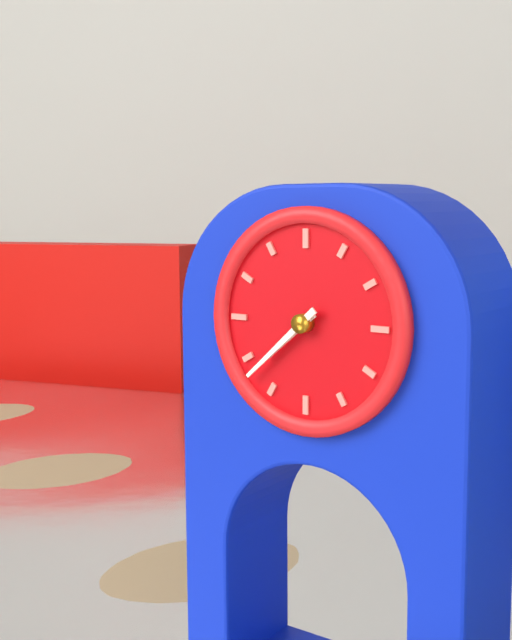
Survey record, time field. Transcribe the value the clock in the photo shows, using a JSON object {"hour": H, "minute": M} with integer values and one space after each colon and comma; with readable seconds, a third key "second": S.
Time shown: {"hour": 7, "minute": 38}
